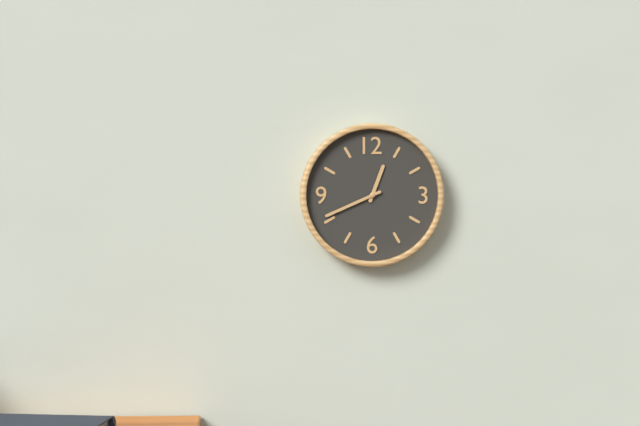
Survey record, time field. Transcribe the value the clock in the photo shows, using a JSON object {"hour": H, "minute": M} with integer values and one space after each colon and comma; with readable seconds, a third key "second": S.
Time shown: {"hour": 12, "minute": 41}
